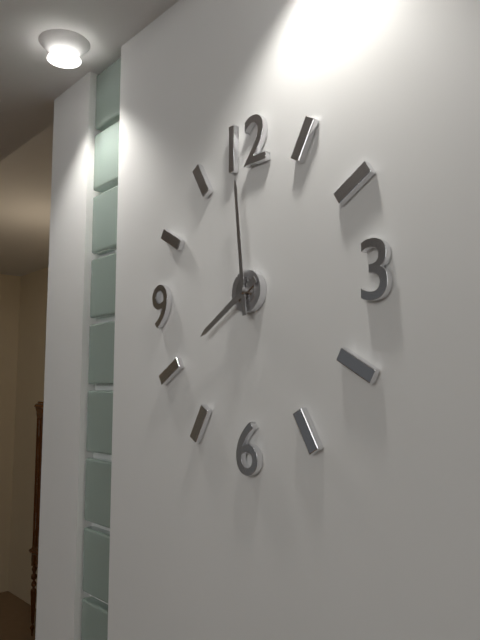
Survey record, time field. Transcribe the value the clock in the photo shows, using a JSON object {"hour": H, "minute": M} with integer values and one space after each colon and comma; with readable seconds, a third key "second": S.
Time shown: {"hour": 7, "minute": 59}
